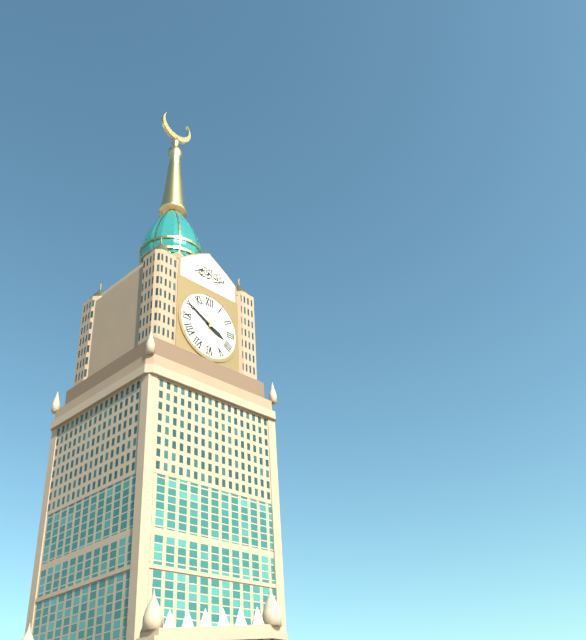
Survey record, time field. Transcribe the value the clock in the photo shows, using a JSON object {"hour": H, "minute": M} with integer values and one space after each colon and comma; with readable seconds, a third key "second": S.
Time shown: {"hour": 3, "minute": 50}
